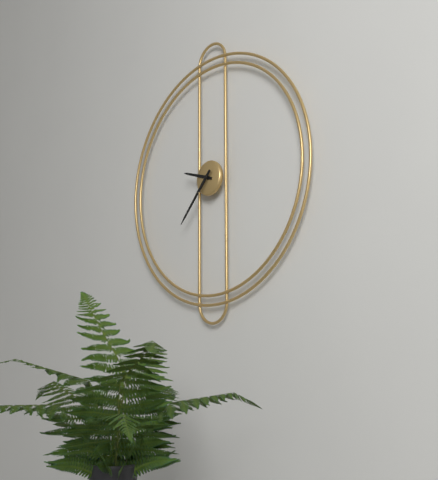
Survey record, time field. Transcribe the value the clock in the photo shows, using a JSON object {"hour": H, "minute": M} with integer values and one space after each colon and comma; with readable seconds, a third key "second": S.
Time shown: {"hour": 9, "minute": 37}
